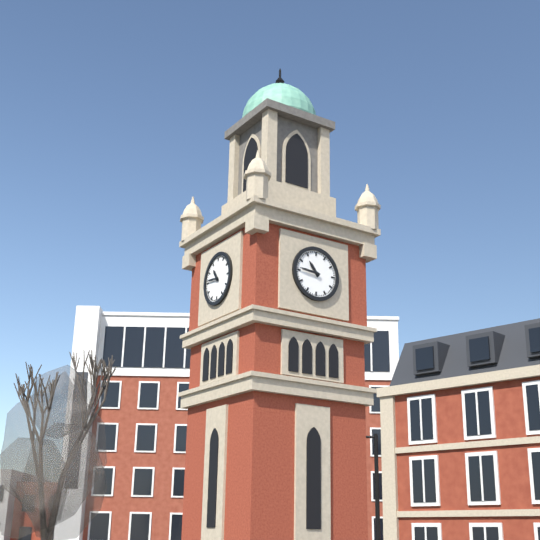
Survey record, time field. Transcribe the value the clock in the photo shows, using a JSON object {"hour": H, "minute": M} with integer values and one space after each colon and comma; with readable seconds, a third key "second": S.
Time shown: {"hour": 10, "minute": 46}
